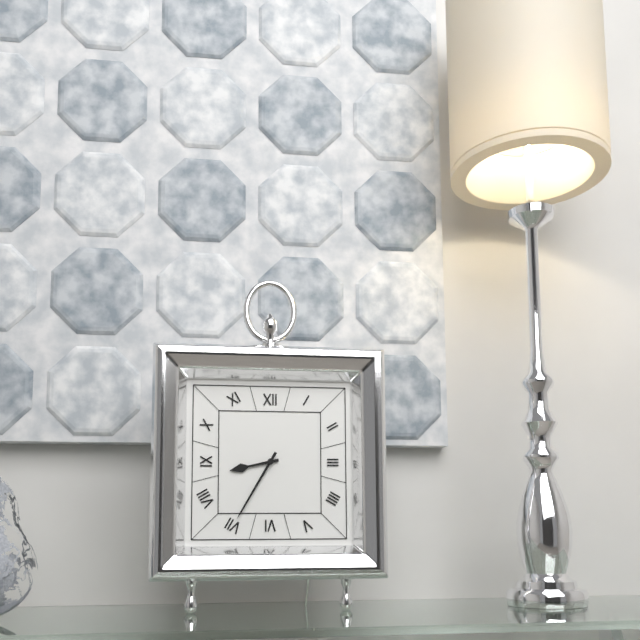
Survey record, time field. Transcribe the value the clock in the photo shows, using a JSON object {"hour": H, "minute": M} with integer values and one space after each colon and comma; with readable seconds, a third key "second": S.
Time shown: {"hour": 8, "minute": 35}
